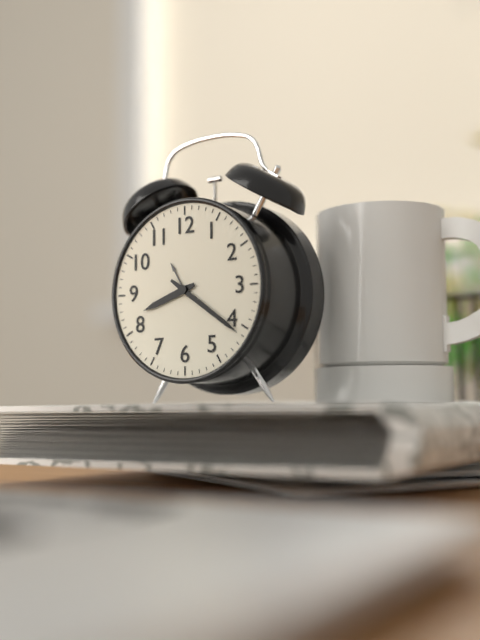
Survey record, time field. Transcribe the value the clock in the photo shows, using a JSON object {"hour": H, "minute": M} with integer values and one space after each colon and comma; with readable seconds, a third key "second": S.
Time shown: {"hour": 8, "minute": 21}
